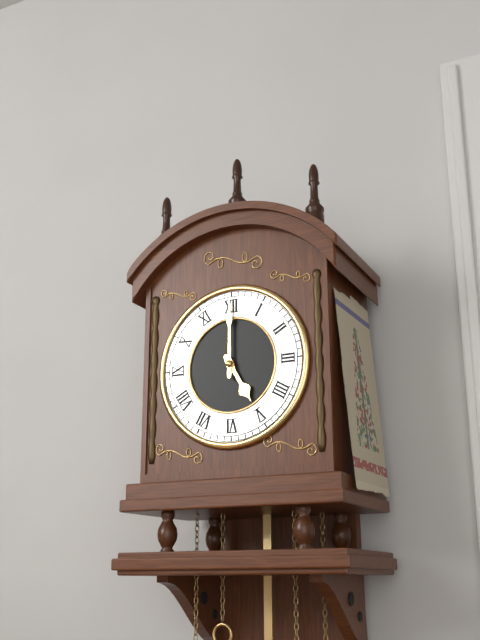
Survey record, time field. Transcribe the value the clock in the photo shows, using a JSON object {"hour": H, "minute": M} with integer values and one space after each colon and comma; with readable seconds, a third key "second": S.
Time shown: {"hour": 5, "minute": 0}
